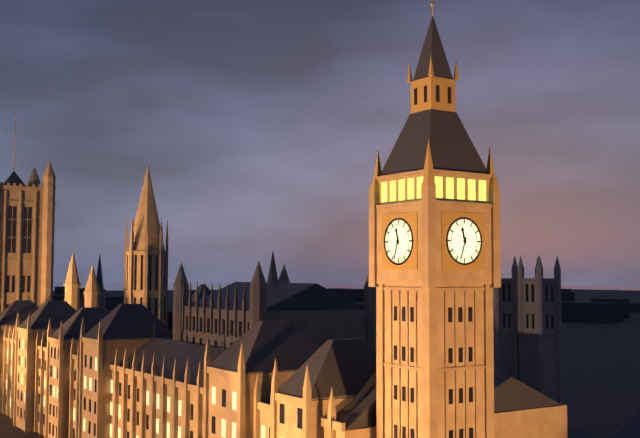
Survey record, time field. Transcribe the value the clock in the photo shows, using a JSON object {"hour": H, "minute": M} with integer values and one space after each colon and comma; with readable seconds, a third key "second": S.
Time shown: {"hour": 11, "minute": 33}
